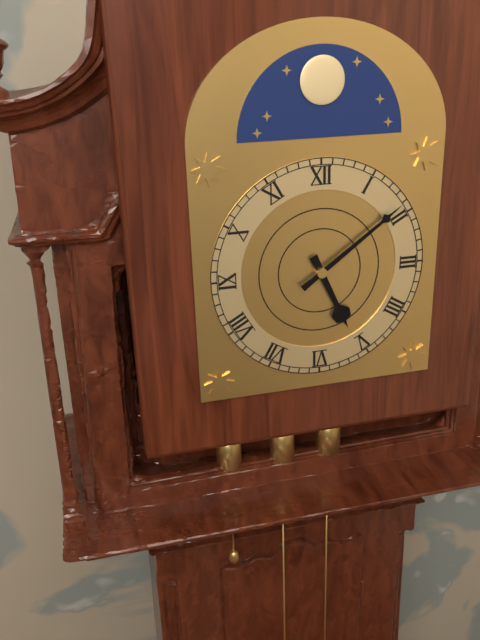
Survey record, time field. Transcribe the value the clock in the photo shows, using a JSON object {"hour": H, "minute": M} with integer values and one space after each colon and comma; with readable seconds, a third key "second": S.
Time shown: {"hour": 5, "minute": 9}
